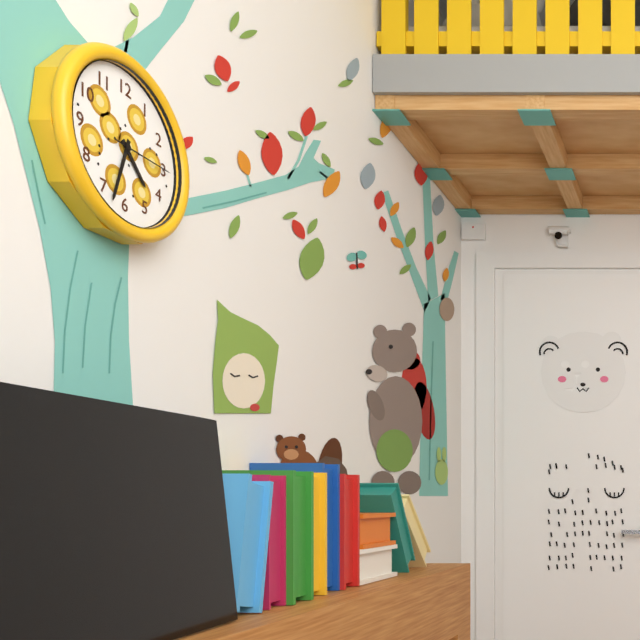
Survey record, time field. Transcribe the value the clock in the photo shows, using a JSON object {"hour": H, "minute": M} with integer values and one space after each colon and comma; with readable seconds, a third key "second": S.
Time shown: {"hour": 4, "minute": 33, "second": 15}
